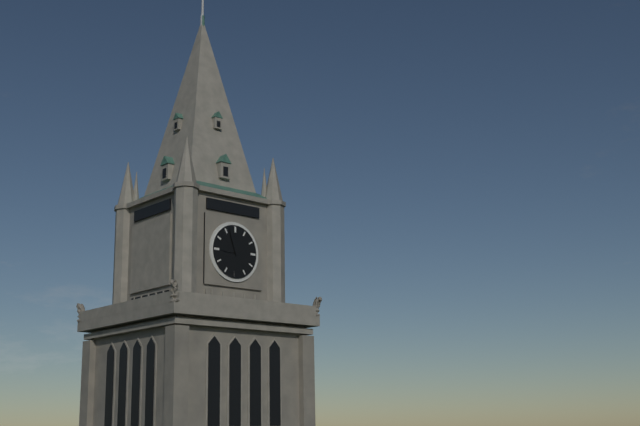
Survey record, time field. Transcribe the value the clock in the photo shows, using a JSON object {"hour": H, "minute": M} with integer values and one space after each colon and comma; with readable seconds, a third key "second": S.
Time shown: {"hour": 8, "minute": 57}
